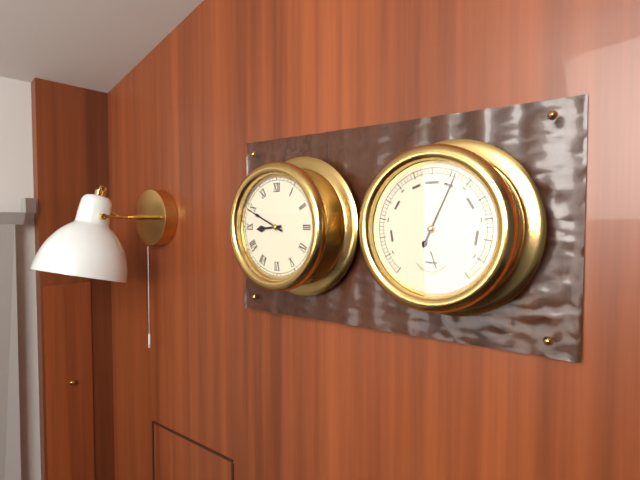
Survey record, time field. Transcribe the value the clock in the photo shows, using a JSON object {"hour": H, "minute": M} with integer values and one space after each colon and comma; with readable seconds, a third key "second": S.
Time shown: {"hour": 8, "minute": 49}
